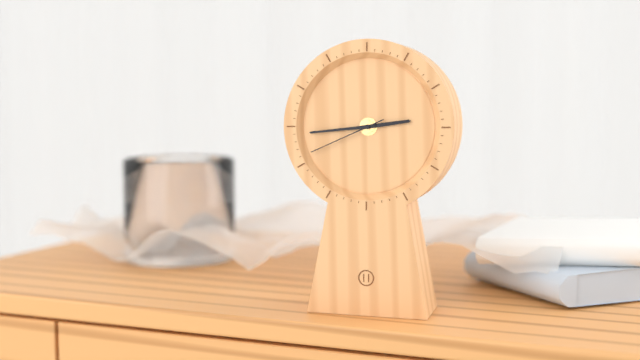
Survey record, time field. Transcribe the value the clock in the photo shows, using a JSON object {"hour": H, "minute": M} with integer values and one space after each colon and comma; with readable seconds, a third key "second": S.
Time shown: {"hour": 2, "minute": 44, "second": 41}
